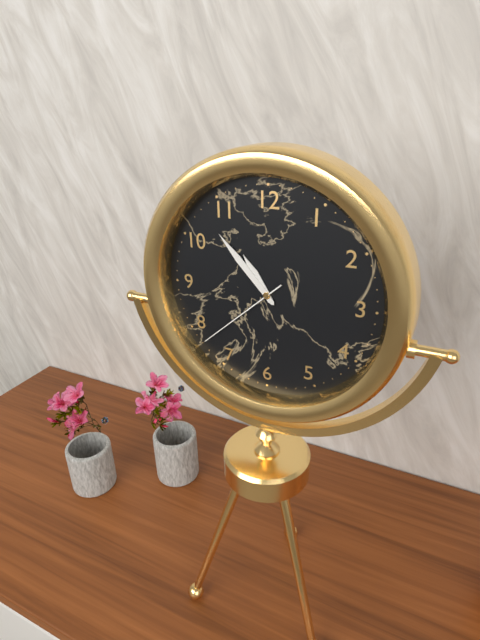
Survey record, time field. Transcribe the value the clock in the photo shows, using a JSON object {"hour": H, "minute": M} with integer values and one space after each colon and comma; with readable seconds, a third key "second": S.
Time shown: {"hour": 10, "minute": 53, "second": 38}
